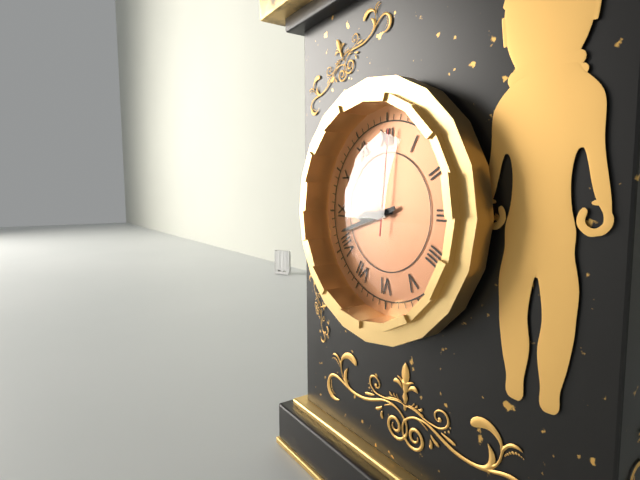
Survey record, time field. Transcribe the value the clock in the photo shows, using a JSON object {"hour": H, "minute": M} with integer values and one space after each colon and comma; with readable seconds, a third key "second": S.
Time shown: {"hour": 8, "minute": 42, "second": 1}
